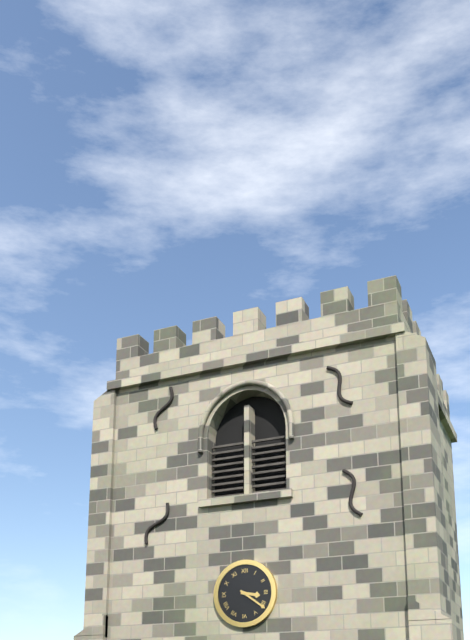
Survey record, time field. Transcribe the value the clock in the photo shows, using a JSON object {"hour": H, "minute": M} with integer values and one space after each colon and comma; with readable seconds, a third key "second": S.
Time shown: {"hour": 3, "minute": 21}
